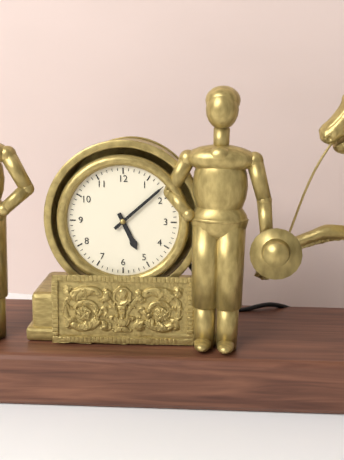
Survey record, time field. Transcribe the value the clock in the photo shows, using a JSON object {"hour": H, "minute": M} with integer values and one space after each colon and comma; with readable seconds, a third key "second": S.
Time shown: {"hour": 5, "minute": 8}
